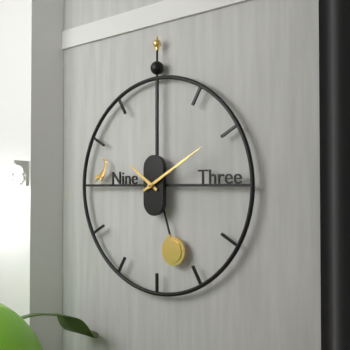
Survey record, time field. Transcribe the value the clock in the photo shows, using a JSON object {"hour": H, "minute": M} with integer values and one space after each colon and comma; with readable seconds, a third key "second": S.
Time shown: {"hour": 10, "minute": 10}
